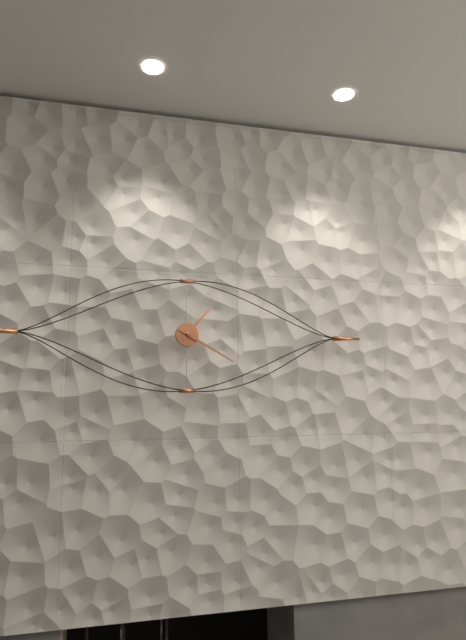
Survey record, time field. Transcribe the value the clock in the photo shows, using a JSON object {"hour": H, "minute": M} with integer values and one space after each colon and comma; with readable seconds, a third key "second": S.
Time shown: {"hour": 1, "minute": 20}
